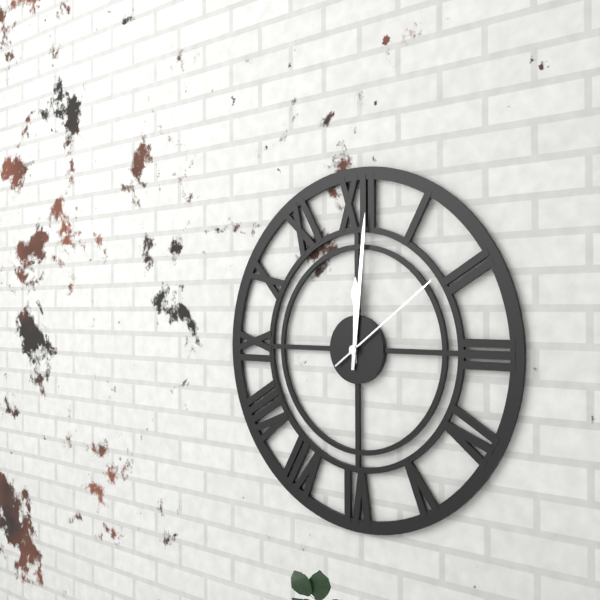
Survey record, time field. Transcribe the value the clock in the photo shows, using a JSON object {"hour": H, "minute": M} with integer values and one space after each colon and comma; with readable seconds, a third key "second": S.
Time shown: {"hour": 12, "minute": 1, "second": 9}
